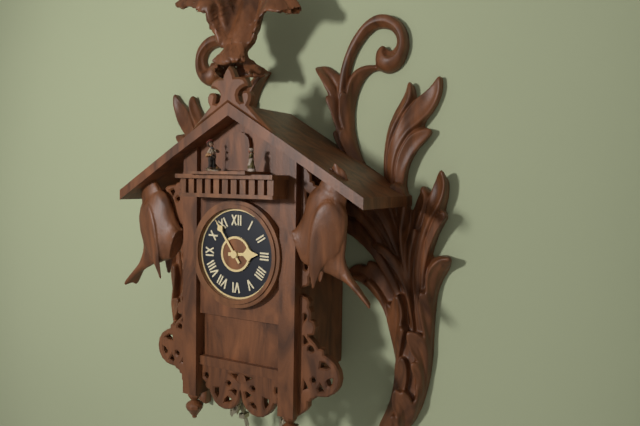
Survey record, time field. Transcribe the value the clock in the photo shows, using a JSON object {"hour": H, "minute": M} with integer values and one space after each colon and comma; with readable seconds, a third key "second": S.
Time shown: {"hour": 2, "minute": 54}
